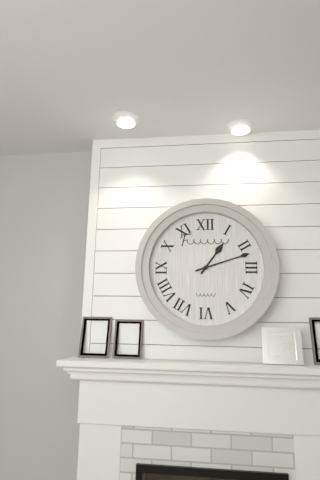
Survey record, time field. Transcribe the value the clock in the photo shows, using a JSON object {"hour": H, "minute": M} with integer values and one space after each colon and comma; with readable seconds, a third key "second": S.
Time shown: {"hour": 1, "minute": 12}
